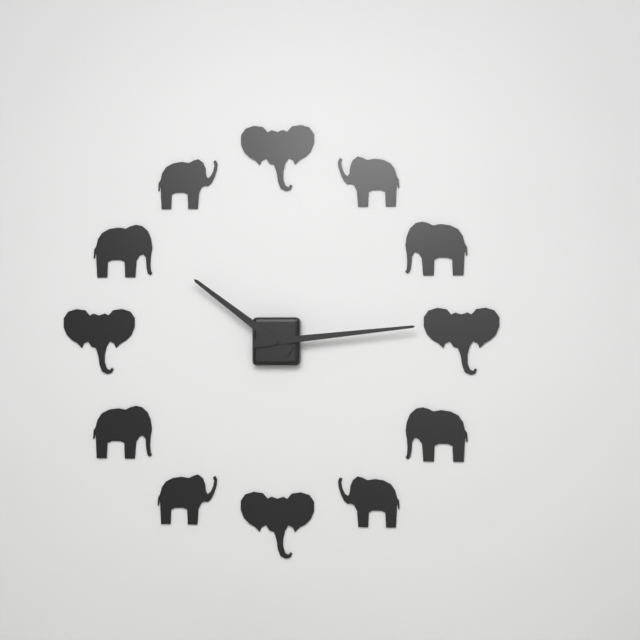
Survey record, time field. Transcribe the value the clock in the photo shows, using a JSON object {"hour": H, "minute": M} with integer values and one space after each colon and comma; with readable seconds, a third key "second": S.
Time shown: {"hour": 10, "minute": 14}
